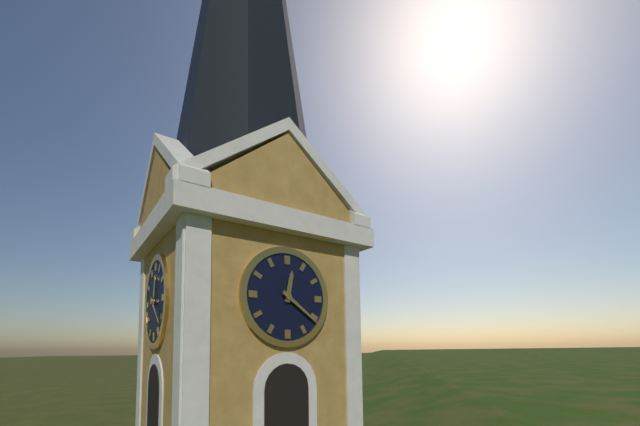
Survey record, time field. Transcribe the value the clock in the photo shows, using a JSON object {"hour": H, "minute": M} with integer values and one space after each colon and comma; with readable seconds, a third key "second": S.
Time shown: {"hour": 12, "minute": 21}
